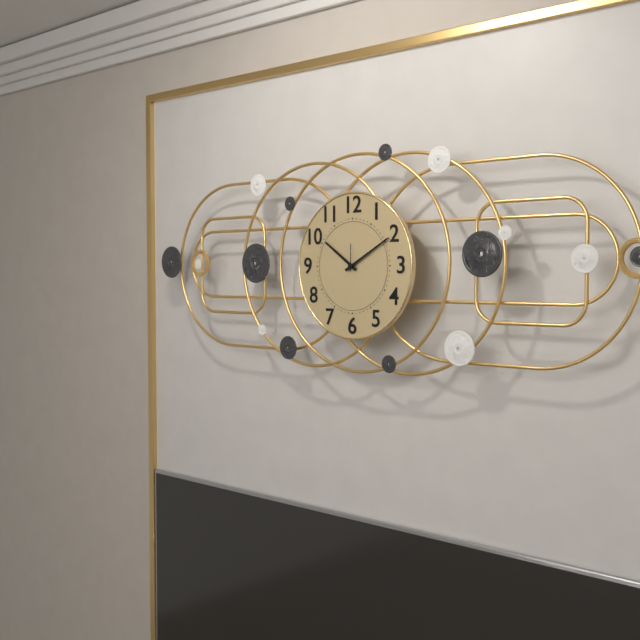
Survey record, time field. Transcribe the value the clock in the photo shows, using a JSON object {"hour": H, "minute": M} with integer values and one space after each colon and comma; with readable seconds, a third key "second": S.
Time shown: {"hour": 10, "minute": 10}
